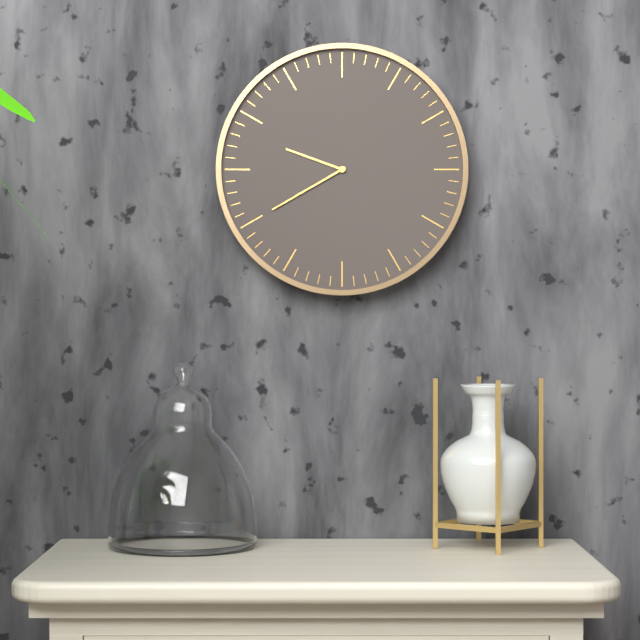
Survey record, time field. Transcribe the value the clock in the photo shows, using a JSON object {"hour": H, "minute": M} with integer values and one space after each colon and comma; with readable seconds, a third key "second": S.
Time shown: {"hour": 9, "minute": 40}
